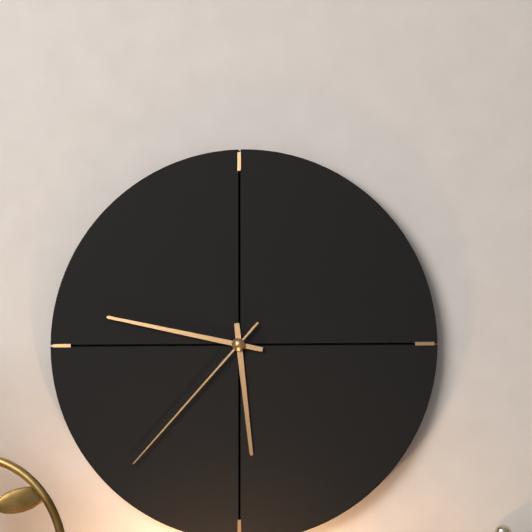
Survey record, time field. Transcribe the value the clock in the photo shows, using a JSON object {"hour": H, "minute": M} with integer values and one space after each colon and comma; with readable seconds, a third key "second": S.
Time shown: {"hour": 5, "minute": 47, "second": 37}
